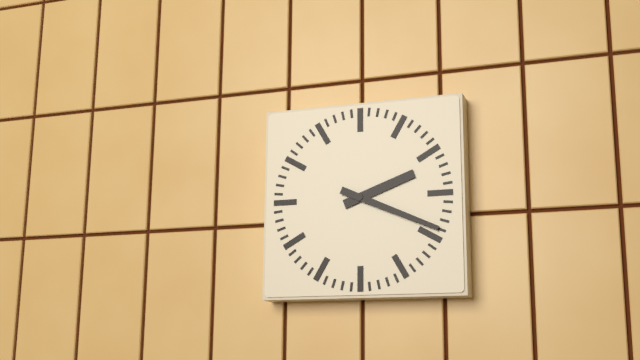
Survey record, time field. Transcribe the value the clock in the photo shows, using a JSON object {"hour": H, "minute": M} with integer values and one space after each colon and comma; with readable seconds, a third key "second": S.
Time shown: {"hour": 2, "minute": 19}
